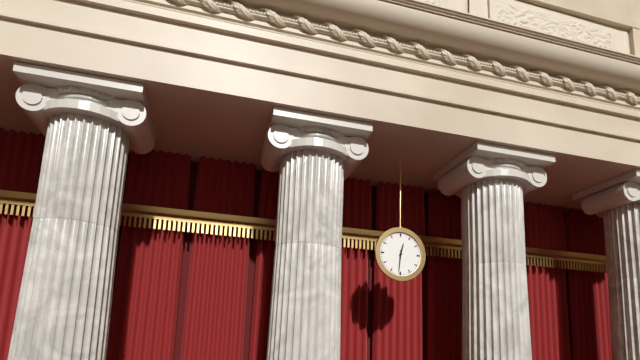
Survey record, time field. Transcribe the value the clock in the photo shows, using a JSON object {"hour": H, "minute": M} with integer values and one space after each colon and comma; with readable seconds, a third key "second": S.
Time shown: {"hour": 12, "minute": 31}
